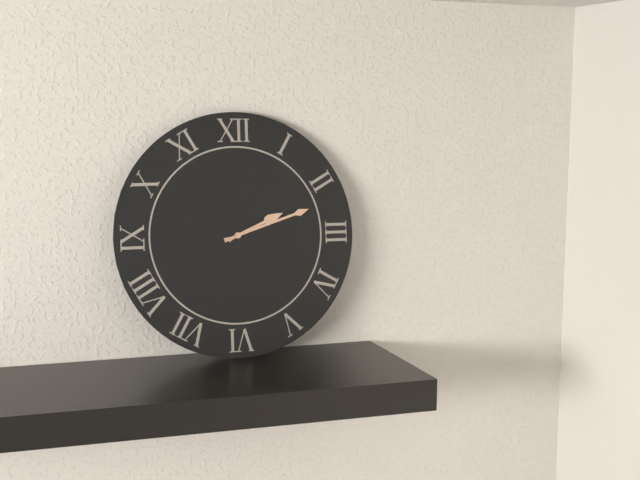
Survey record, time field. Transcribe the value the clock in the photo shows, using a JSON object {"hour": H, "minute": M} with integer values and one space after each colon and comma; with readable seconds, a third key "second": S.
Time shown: {"hour": 2, "minute": 12}
